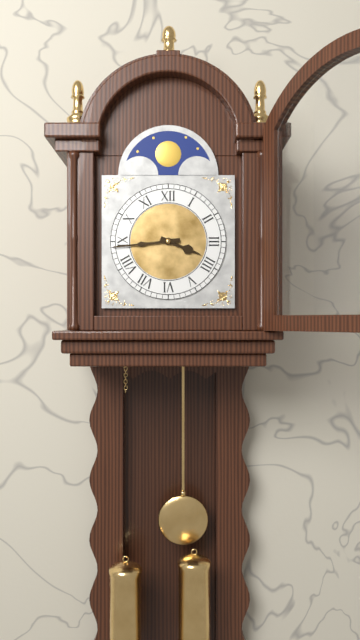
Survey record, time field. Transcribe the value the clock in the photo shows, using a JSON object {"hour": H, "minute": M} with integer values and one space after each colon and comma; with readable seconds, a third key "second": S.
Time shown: {"hour": 3, "minute": 44}
